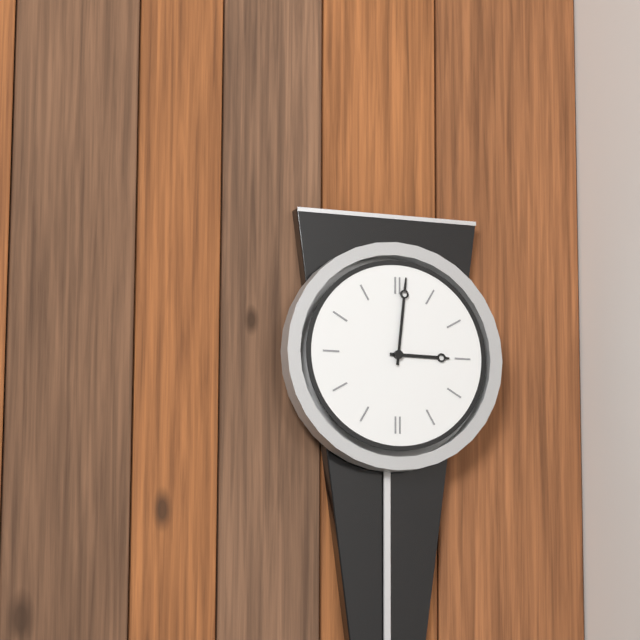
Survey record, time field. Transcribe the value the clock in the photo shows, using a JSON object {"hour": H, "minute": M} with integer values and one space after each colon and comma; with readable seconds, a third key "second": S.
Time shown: {"hour": 3, "minute": 1}
